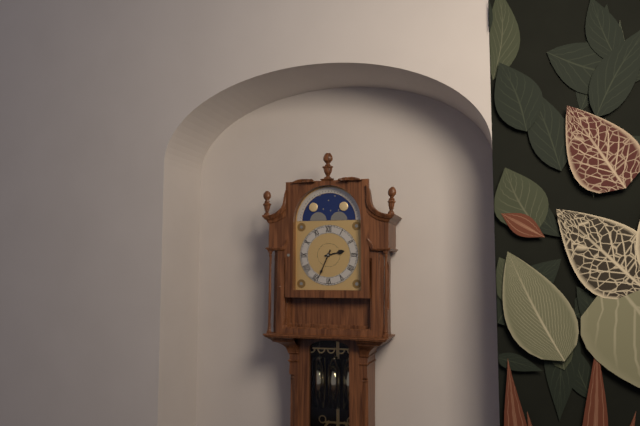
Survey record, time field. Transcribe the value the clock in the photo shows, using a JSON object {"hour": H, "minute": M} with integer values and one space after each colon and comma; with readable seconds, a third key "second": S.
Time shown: {"hour": 2, "minute": 34}
